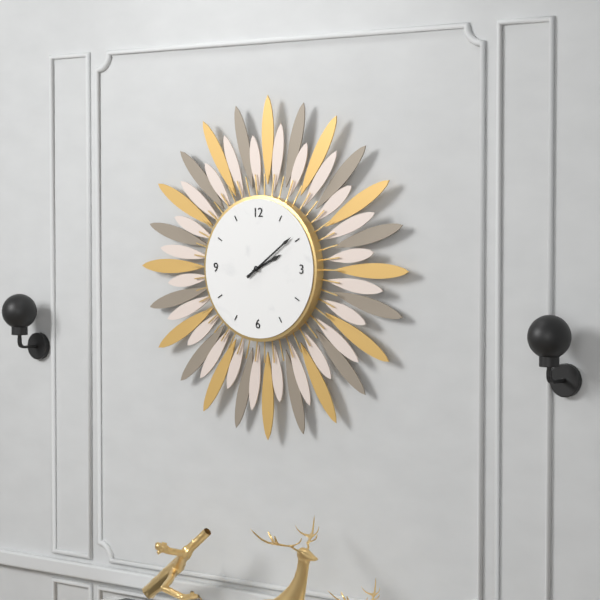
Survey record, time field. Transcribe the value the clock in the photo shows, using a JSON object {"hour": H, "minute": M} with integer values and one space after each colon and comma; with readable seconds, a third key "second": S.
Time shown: {"hour": 2, "minute": 9}
